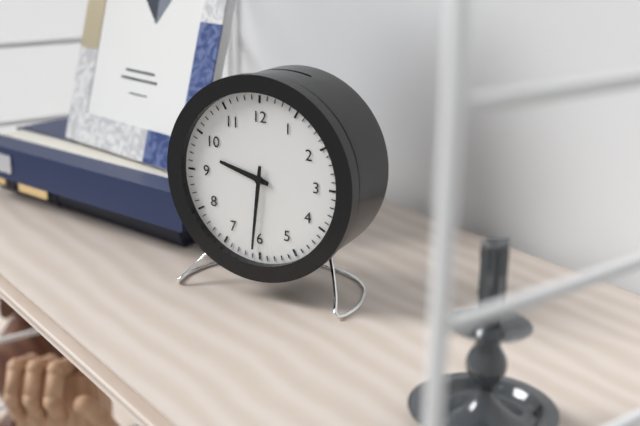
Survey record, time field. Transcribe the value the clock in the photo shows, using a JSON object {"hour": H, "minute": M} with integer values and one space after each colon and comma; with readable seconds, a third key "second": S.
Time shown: {"hour": 9, "minute": 31}
